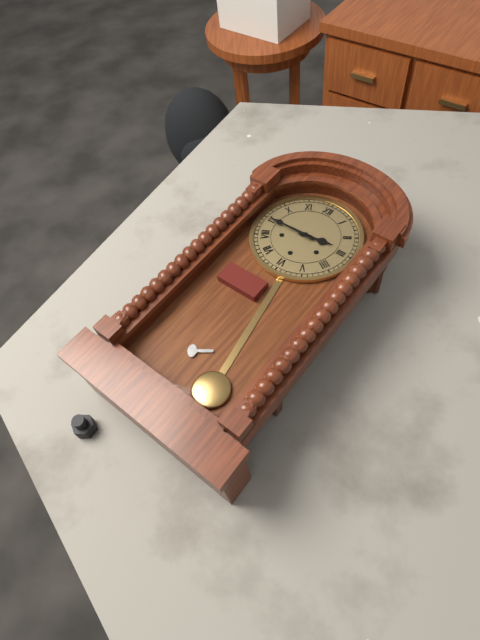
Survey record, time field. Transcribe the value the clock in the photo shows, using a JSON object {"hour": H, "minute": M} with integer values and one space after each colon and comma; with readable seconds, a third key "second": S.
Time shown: {"hour": 2, "minute": 45}
